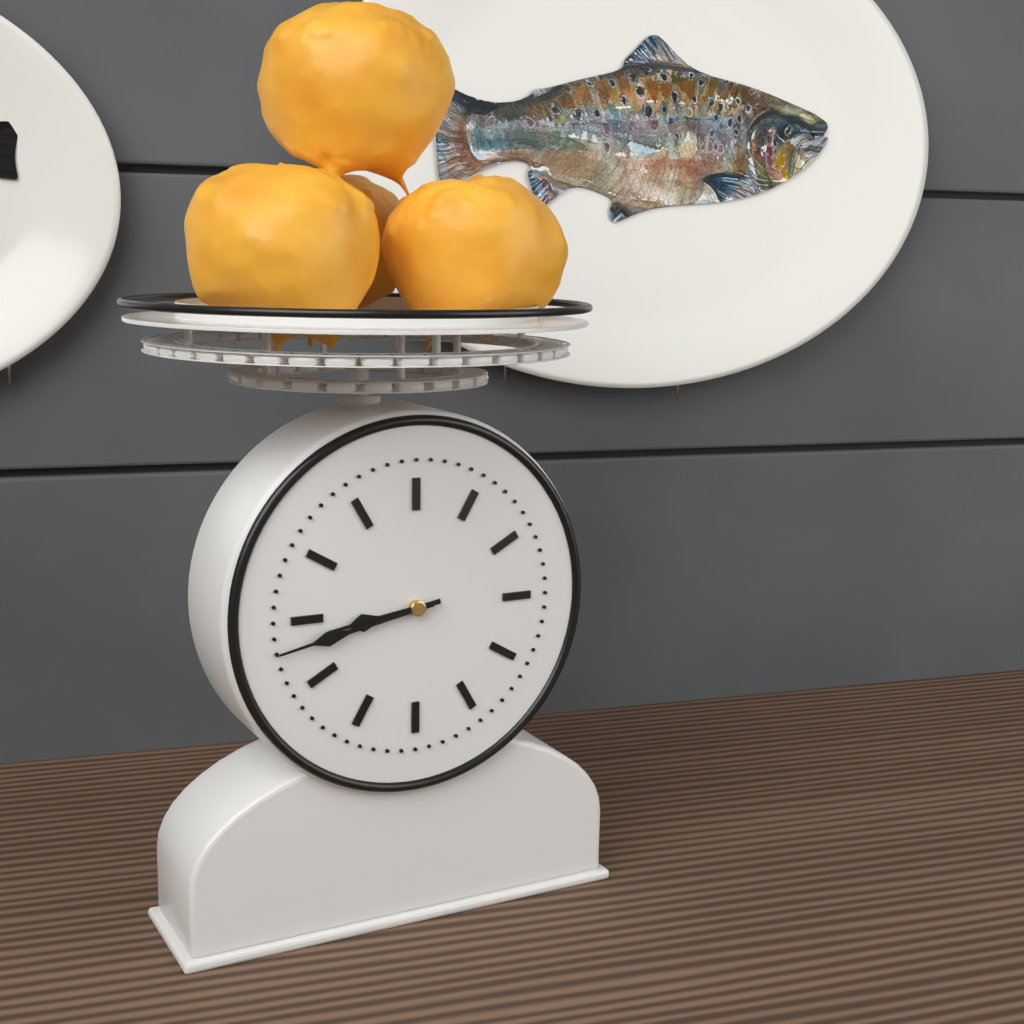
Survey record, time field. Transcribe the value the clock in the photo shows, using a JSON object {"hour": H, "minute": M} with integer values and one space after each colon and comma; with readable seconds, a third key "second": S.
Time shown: {"hour": 8, "minute": 43}
